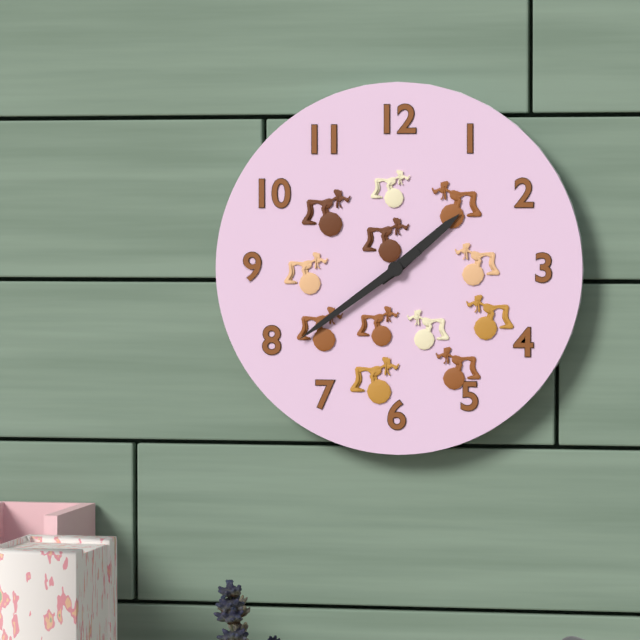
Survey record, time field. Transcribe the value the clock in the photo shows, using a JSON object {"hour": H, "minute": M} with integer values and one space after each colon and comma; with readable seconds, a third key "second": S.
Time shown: {"hour": 1, "minute": 39}
